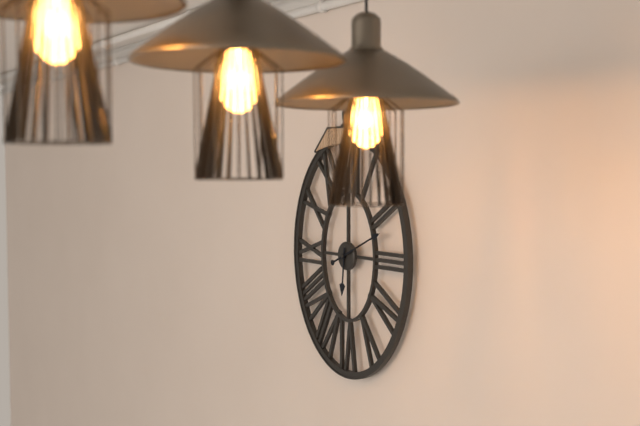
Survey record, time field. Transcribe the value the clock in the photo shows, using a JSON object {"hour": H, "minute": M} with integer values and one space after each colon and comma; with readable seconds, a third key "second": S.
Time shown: {"hour": 6, "minute": 11}
